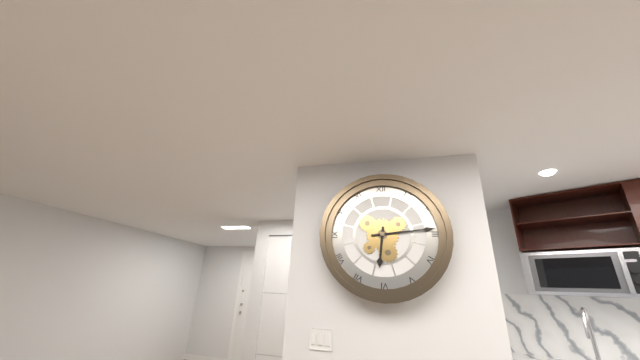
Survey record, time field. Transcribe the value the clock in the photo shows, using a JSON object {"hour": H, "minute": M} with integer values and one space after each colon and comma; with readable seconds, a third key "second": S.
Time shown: {"hour": 6, "minute": 14}
